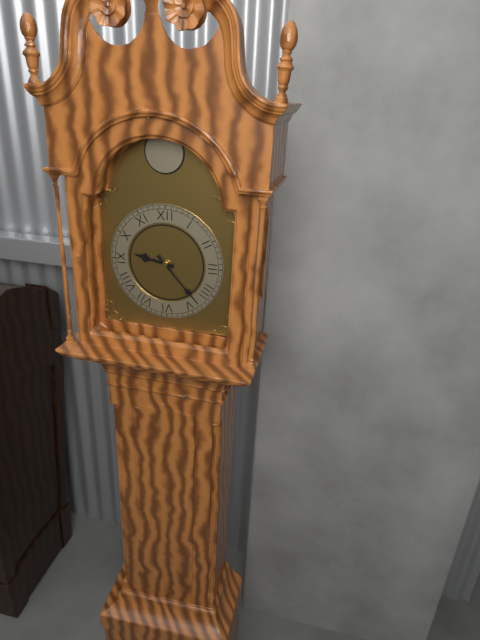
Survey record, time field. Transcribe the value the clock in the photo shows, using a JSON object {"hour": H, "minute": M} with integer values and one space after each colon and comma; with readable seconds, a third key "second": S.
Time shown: {"hour": 9, "minute": 23}
